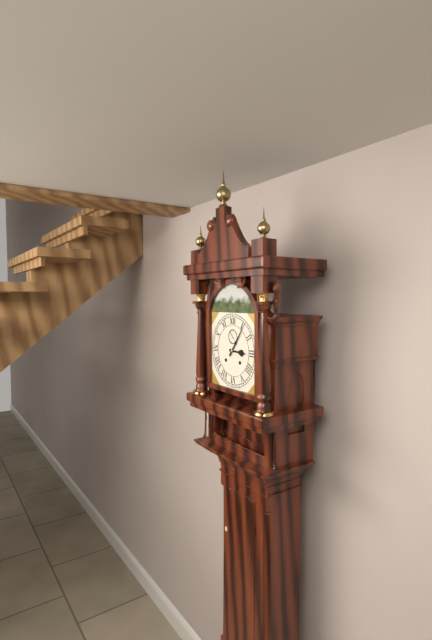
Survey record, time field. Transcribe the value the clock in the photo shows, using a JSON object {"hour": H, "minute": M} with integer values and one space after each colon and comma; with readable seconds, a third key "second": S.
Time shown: {"hour": 3, "minute": 6}
